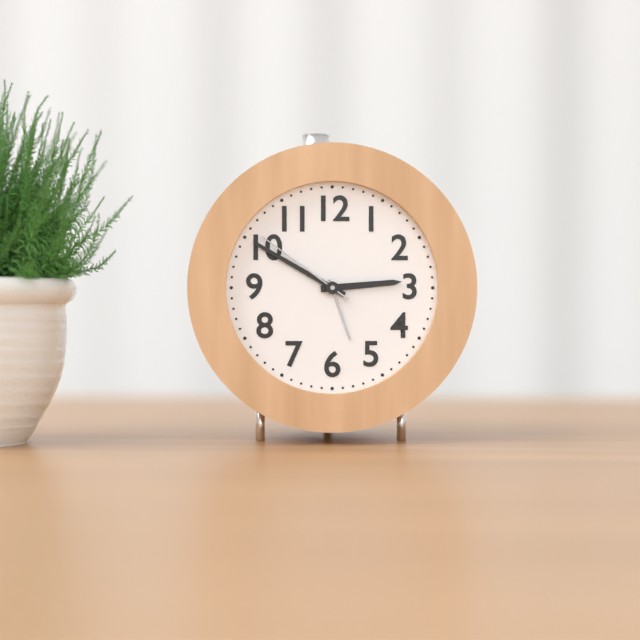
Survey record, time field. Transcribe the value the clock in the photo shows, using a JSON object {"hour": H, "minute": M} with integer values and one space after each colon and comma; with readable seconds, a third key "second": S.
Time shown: {"hour": 2, "minute": 50, "second": 51}
